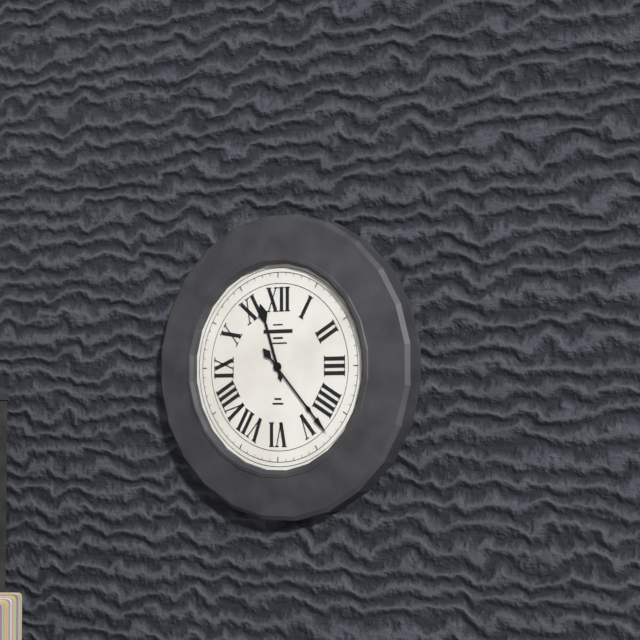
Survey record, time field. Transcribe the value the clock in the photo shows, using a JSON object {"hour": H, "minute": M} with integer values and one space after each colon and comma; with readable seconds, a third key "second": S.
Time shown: {"hour": 11, "minute": 23}
